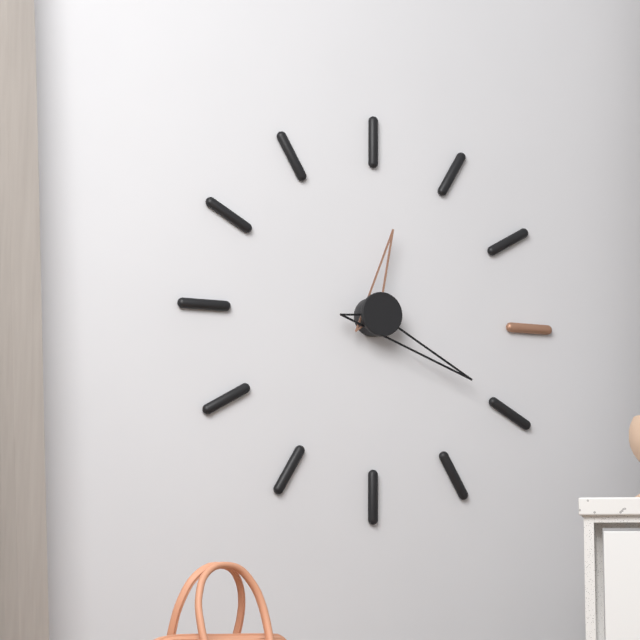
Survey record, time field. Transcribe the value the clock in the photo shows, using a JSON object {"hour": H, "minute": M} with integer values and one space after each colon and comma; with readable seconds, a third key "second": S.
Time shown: {"hour": 12, "minute": 20}
